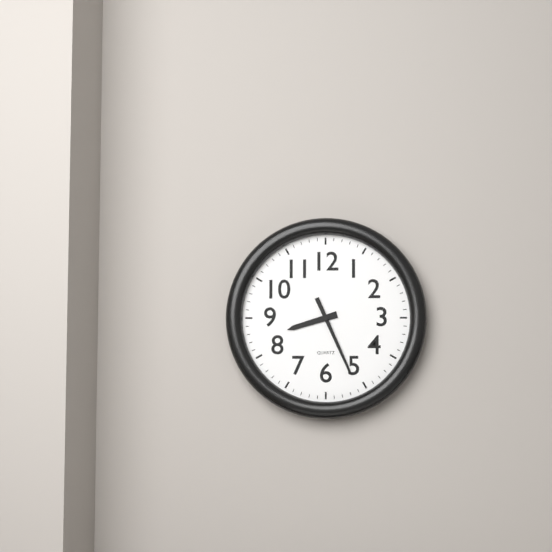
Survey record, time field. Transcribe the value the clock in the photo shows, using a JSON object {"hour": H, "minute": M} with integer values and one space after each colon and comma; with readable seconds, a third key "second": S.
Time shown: {"hour": 8, "minute": 26}
